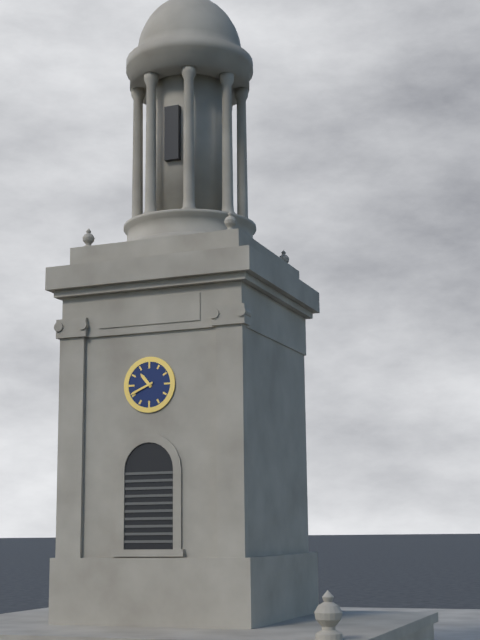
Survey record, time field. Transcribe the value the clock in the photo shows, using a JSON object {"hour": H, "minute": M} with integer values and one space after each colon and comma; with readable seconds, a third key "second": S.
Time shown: {"hour": 10, "minute": 41}
